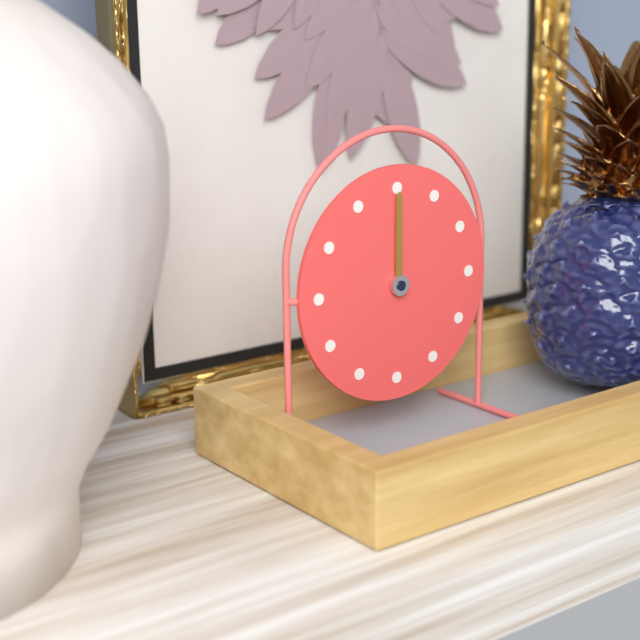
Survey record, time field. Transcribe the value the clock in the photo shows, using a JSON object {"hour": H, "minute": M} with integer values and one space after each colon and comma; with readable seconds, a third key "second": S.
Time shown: {"hour": 12, "minute": 0}
